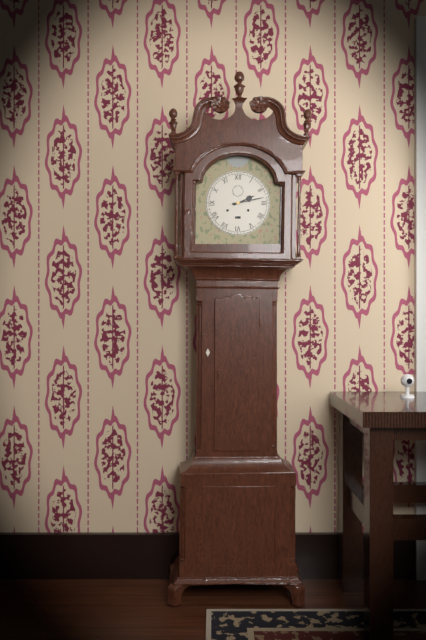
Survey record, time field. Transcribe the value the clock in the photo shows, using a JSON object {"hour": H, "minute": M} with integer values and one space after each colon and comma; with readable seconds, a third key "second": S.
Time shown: {"hour": 2, "minute": 13}
